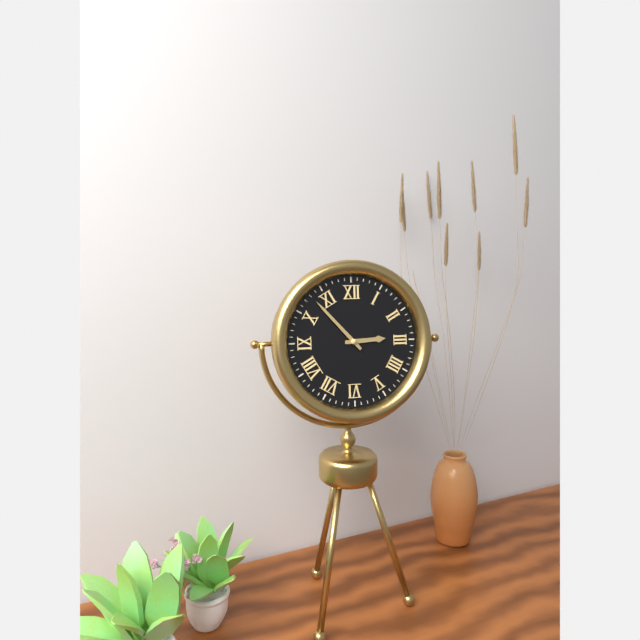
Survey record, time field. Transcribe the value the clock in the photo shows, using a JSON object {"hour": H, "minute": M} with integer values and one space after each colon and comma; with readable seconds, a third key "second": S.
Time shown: {"hour": 2, "minute": 53}
